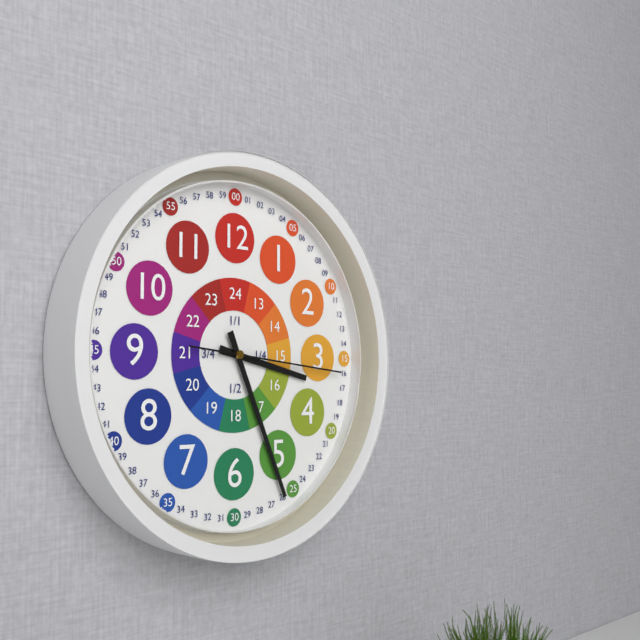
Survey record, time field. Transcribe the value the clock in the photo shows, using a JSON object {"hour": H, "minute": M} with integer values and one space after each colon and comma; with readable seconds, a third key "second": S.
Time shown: {"hour": 3, "minute": 26, "second": 16}
